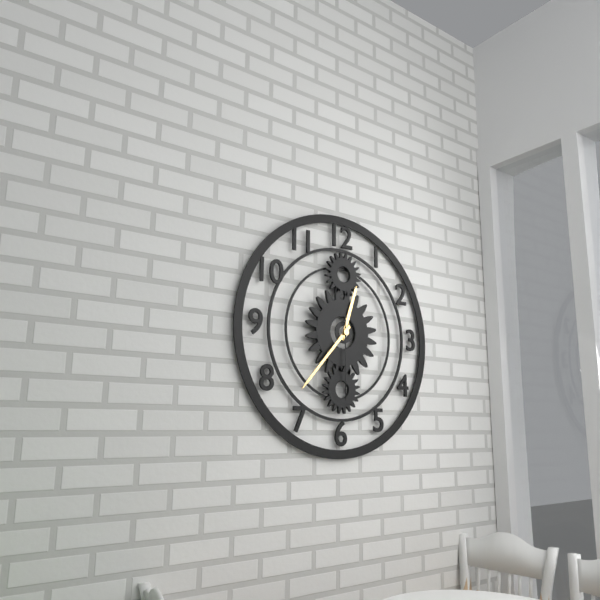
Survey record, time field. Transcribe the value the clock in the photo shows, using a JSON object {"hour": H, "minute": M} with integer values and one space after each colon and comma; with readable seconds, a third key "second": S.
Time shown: {"hour": 12, "minute": 37, "second": 30}
